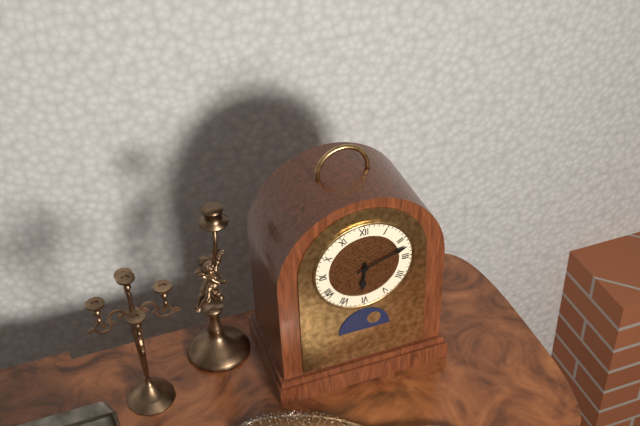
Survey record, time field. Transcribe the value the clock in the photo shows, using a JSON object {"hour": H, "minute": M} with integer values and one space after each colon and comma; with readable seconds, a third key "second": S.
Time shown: {"hour": 6, "minute": 12}
